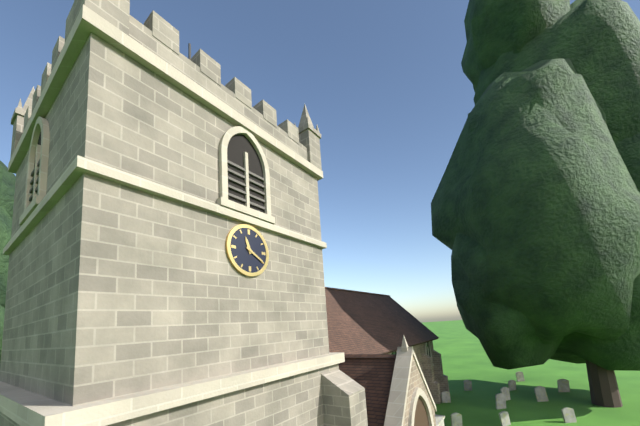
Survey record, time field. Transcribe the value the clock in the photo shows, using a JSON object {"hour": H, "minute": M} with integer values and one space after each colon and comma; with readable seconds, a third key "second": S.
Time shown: {"hour": 11, "minute": 20}
